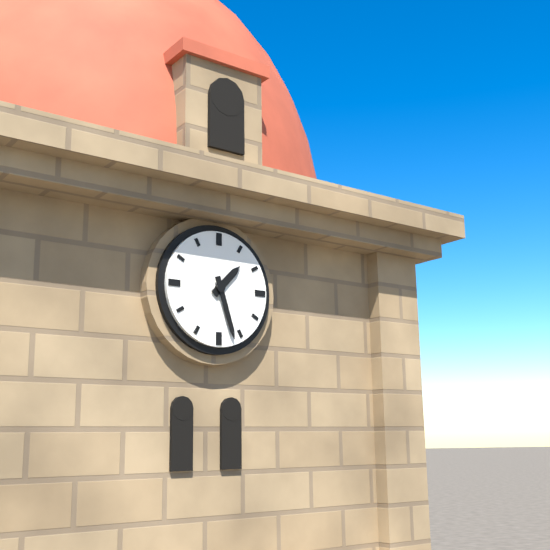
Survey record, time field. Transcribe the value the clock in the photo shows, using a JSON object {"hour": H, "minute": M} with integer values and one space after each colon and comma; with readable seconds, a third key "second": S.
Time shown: {"hour": 1, "minute": 27}
